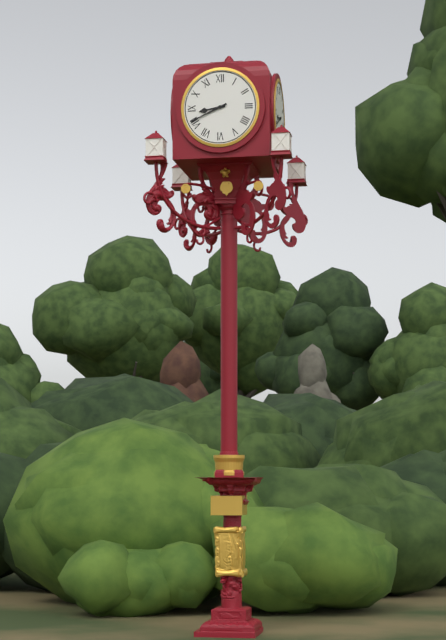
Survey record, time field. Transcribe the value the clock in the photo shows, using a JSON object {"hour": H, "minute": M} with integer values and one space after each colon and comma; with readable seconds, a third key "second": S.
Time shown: {"hour": 8, "minute": 41}
